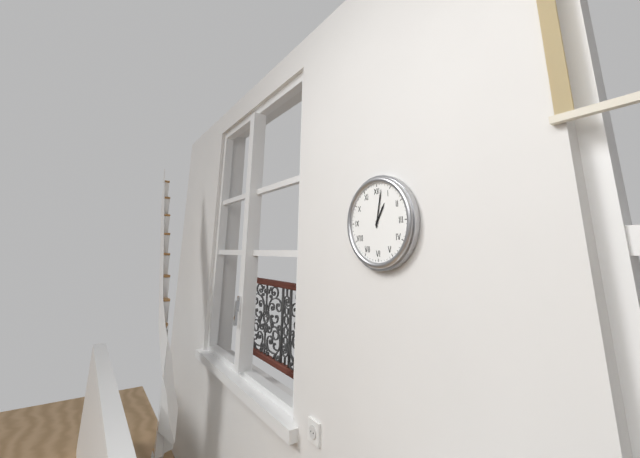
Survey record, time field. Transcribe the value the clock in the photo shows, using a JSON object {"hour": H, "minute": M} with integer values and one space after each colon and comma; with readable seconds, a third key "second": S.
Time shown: {"hour": 1, "minute": 2}
